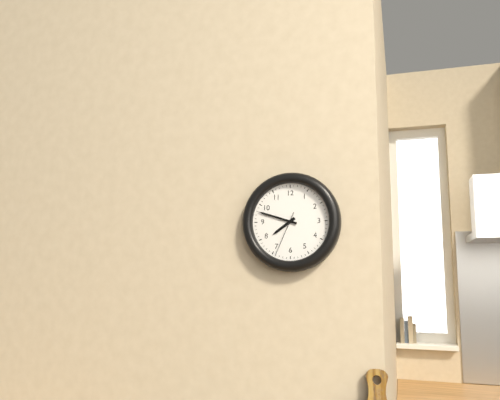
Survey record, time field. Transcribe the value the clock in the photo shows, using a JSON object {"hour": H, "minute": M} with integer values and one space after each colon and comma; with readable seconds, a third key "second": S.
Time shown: {"hour": 7, "minute": 48}
